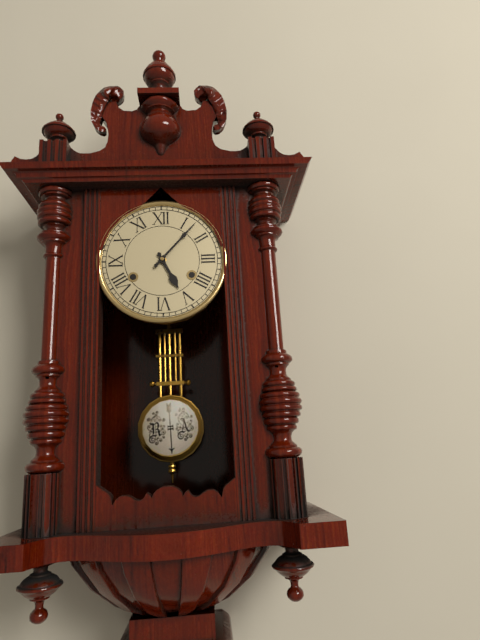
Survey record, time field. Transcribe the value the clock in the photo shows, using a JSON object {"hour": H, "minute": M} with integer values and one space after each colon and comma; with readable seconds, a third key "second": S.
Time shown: {"hour": 5, "minute": 7}
